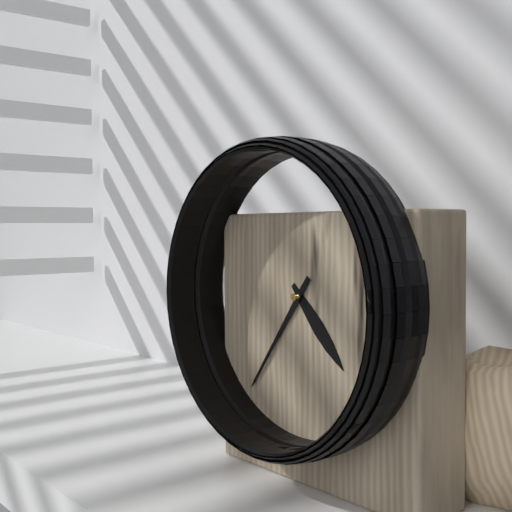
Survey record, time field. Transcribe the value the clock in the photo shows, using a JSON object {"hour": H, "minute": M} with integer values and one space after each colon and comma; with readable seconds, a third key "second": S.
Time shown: {"hour": 4, "minute": 36}
